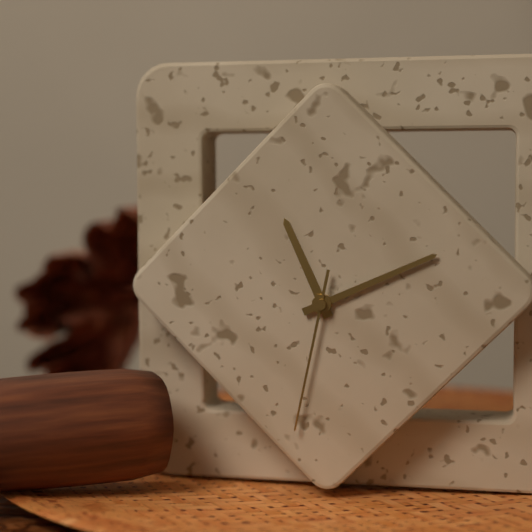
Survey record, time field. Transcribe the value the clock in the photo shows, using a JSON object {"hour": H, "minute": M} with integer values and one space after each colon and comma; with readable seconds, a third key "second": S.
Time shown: {"hour": 11, "minute": 11, "second": 32}
